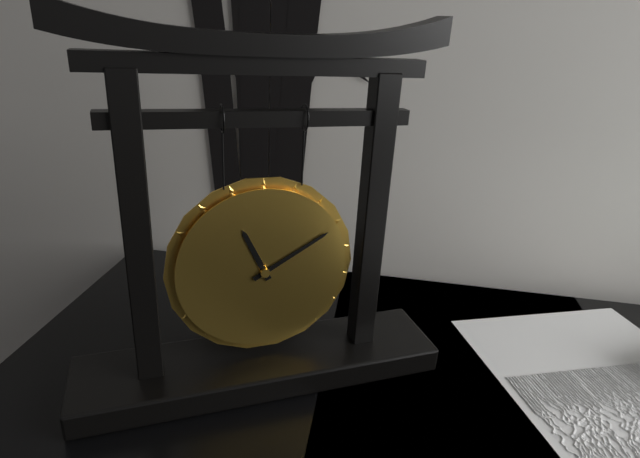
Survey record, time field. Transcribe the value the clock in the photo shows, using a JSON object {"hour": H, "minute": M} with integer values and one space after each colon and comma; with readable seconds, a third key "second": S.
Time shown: {"hour": 11, "minute": 10}
